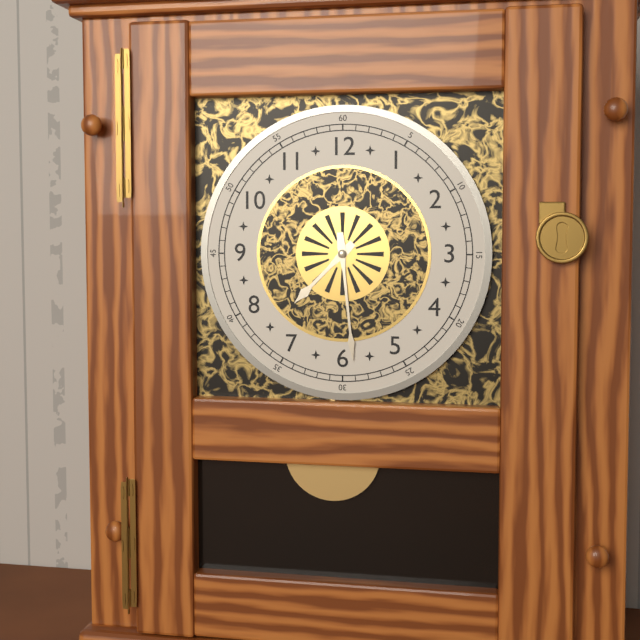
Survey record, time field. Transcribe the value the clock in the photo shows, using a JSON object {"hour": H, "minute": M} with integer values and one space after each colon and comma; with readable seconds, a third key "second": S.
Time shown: {"hour": 7, "minute": 29}
